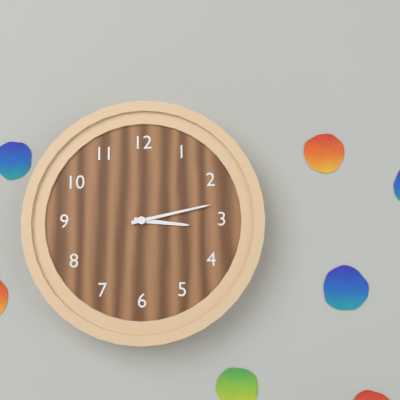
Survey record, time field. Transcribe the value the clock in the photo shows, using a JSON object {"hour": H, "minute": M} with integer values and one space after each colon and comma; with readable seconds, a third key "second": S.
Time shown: {"hour": 3, "minute": 13}
